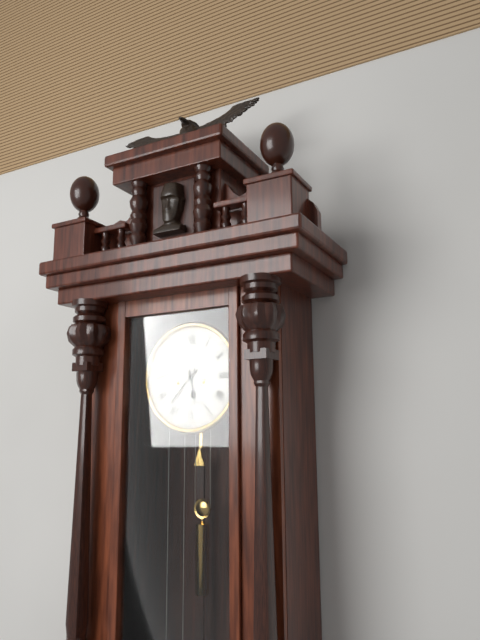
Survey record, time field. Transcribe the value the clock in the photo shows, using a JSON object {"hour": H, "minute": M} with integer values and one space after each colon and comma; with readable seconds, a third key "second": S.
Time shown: {"hour": 5, "minute": 37}
